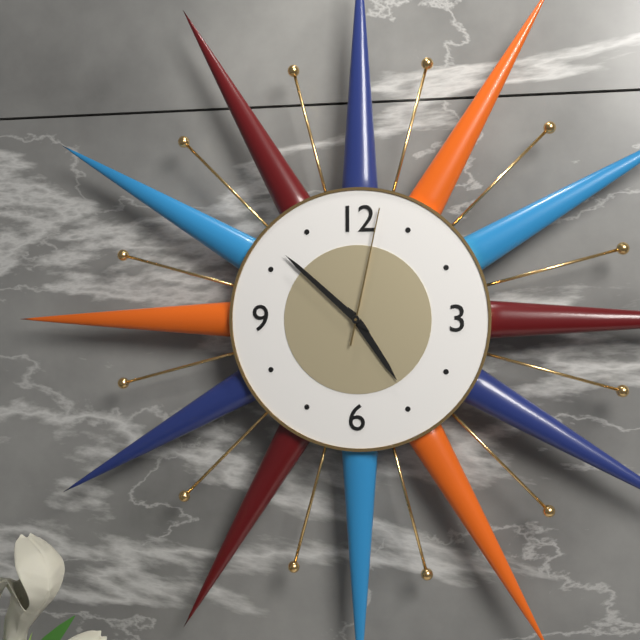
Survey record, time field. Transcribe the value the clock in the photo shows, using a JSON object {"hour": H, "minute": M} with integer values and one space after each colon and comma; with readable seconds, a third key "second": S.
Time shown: {"hour": 4, "minute": 52, "second": 2}
